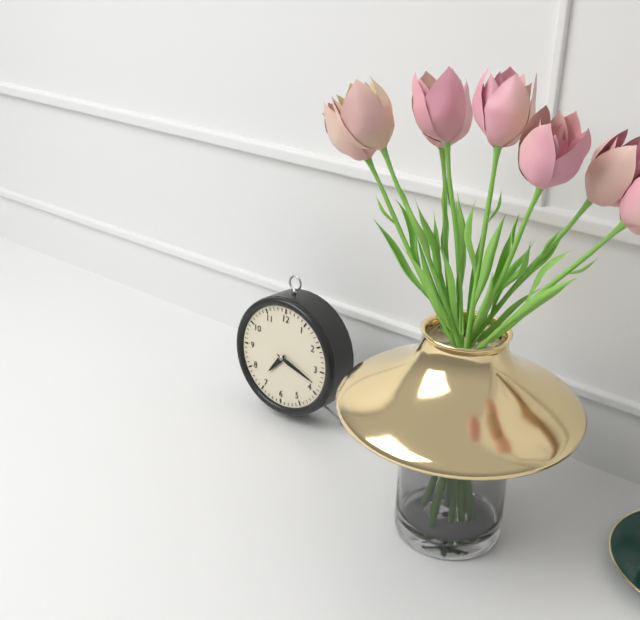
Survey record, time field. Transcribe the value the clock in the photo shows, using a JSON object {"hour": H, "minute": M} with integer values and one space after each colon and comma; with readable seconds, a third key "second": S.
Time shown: {"hour": 7, "minute": 18}
